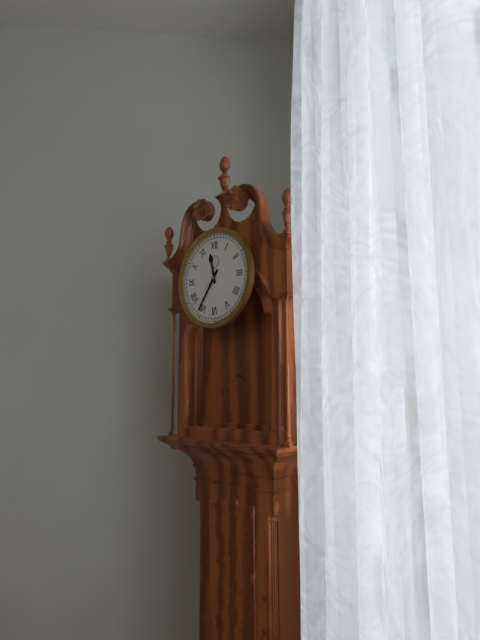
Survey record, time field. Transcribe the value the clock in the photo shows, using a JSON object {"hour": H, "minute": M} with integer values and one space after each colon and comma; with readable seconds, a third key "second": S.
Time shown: {"hour": 11, "minute": 36}
